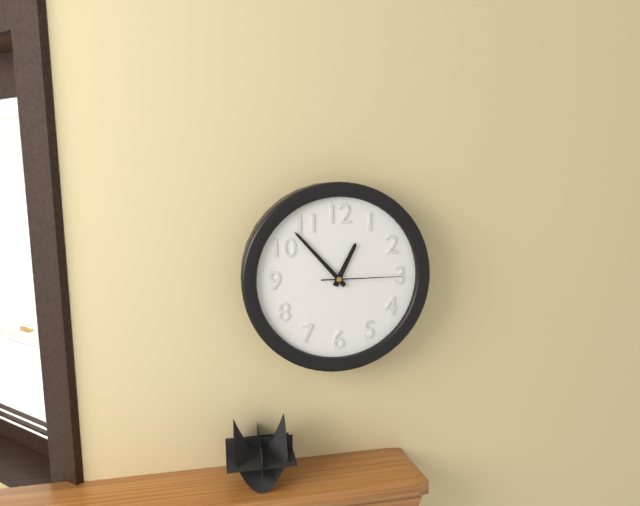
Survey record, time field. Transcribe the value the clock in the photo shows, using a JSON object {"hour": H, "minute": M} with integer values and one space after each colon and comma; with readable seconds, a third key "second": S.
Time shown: {"hour": 12, "minute": 53, "second": 15}
